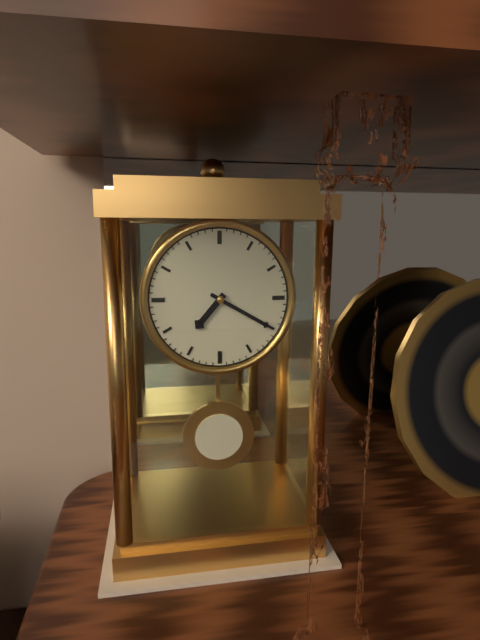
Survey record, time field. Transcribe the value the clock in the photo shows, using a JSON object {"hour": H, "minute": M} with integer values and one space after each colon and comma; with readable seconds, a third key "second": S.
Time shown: {"hour": 7, "minute": 20}
